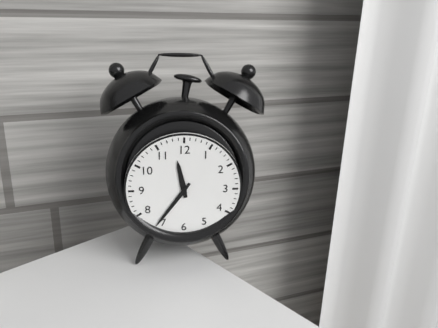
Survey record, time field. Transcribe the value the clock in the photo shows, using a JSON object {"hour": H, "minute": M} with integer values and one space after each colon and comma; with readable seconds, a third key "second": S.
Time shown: {"hour": 11, "minute": 36}
